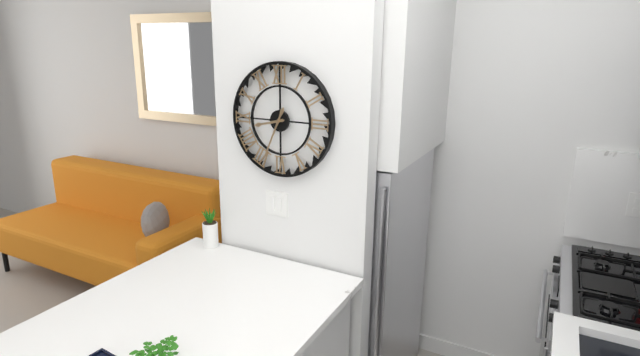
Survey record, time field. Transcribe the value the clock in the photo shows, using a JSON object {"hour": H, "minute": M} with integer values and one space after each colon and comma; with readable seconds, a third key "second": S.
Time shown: {"hour": 8, "minute": 34}
